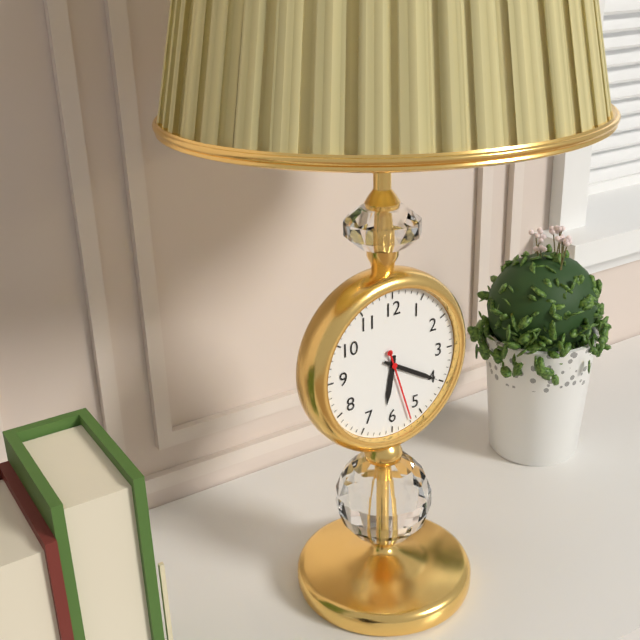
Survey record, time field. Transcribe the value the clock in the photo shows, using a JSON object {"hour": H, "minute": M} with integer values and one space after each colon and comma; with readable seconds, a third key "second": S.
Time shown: {"hour": 6, "minute": 20, "second": 27}
